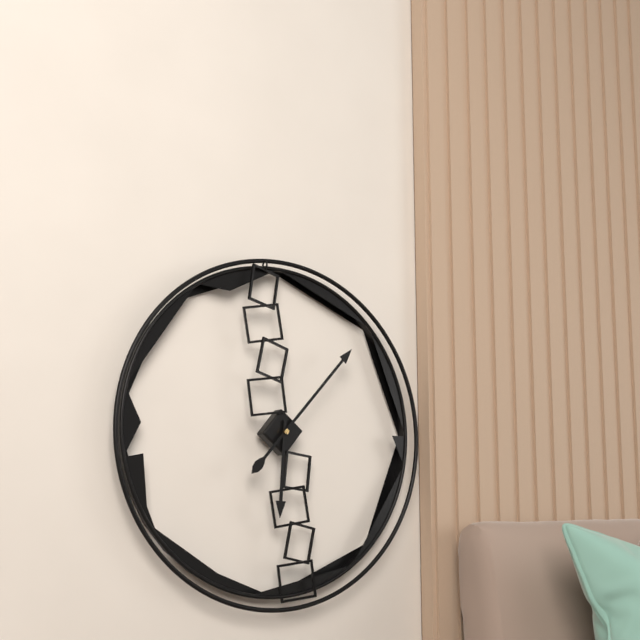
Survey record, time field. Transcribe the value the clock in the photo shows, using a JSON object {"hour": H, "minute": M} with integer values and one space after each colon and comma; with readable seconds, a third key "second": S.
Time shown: {"hour": 6, "minute": 7}
